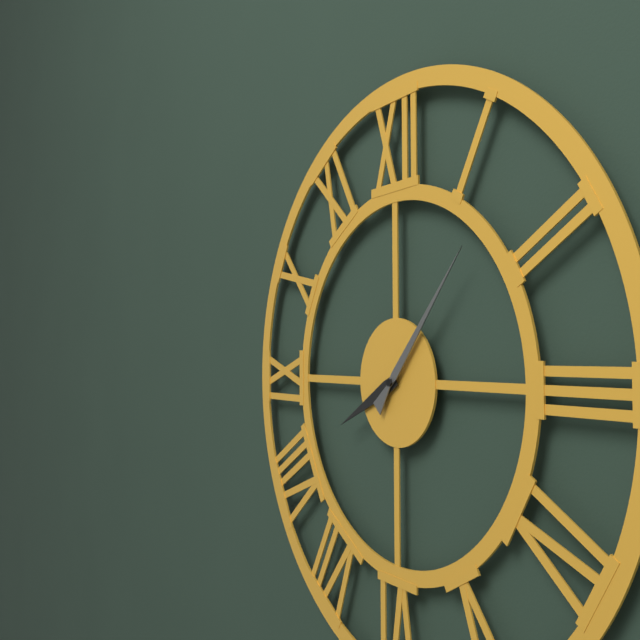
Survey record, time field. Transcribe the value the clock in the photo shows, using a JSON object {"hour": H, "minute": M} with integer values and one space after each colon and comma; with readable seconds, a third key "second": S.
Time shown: {"hour": 8, "minute": 7}
